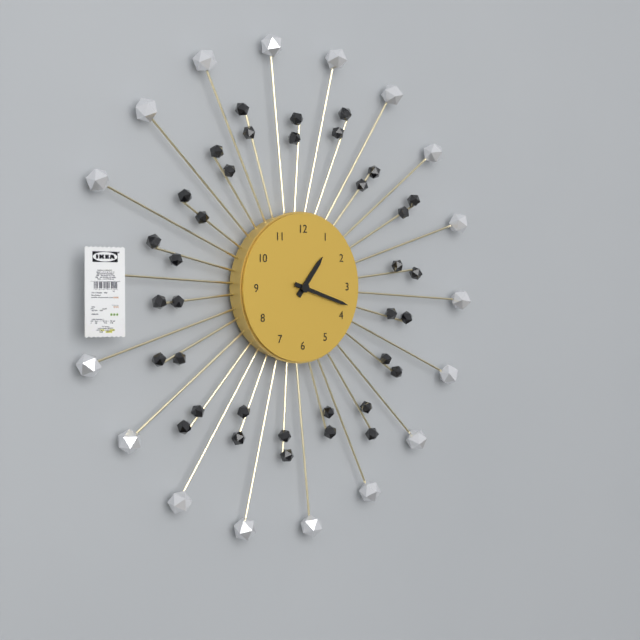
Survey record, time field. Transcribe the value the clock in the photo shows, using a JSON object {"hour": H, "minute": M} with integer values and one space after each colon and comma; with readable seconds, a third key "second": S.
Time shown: {"hour": 1, "minute": 18}
